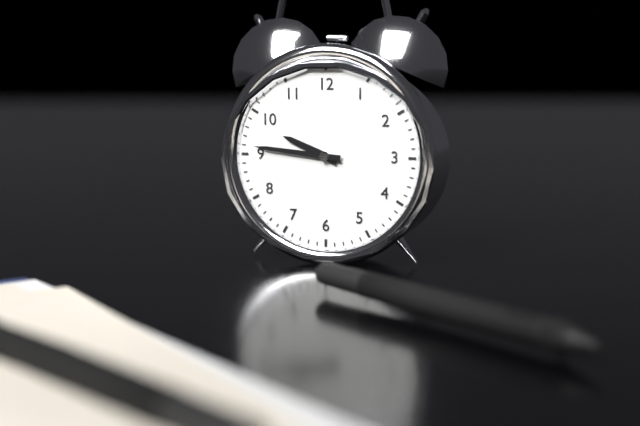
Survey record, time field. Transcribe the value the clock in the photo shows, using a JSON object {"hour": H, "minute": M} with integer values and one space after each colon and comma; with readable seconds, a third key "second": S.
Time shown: {"hour": 9, "minute": 46}
